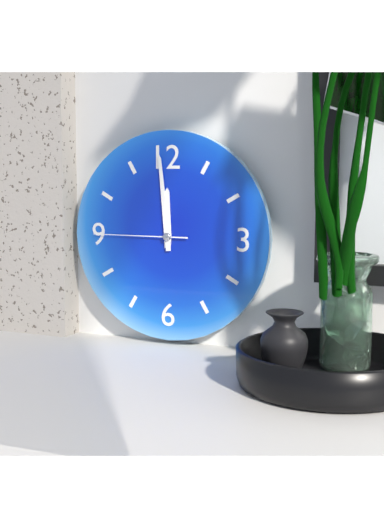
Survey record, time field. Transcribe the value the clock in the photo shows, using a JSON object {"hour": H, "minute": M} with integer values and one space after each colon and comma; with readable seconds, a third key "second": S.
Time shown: {"hour": 11, "minute": 59, "second": 45}
